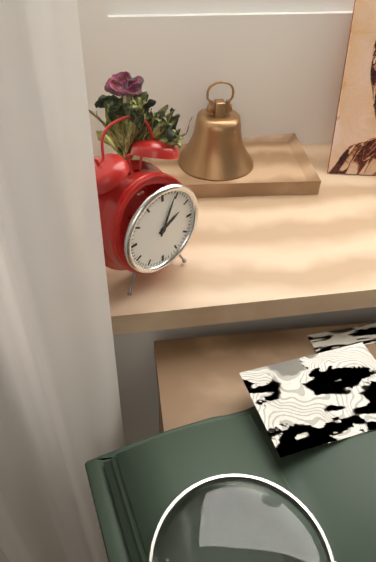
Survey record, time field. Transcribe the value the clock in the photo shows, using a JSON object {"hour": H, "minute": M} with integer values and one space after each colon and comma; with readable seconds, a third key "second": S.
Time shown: {"hour": 2, "minute": 4}
